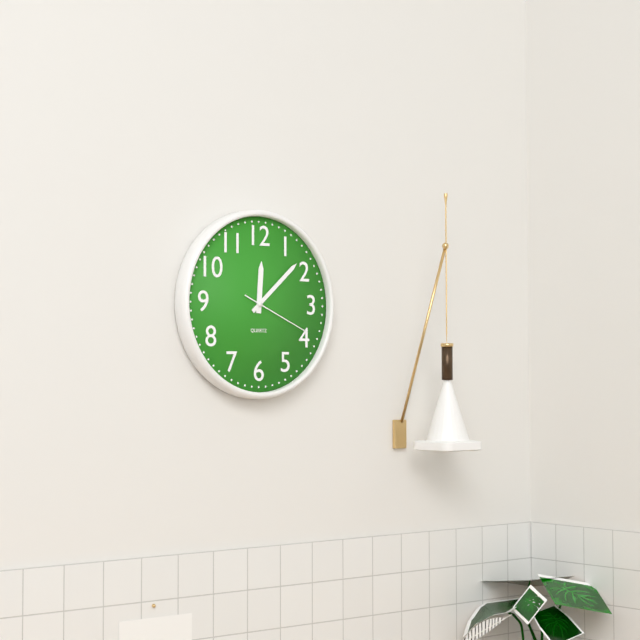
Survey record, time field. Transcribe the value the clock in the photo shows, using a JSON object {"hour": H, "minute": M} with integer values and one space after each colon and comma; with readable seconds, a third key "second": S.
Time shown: {"hour": 12, "minute": 8, "second": 19}
